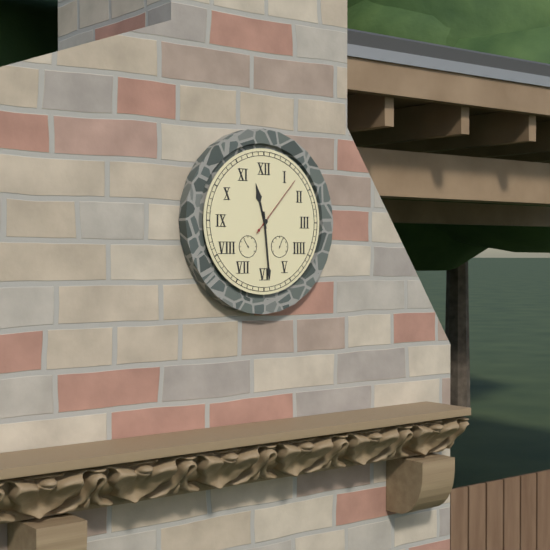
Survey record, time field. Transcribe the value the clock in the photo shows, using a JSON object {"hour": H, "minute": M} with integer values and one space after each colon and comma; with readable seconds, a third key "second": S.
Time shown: {"hour": 11, "minute": 29, "second": 7}
